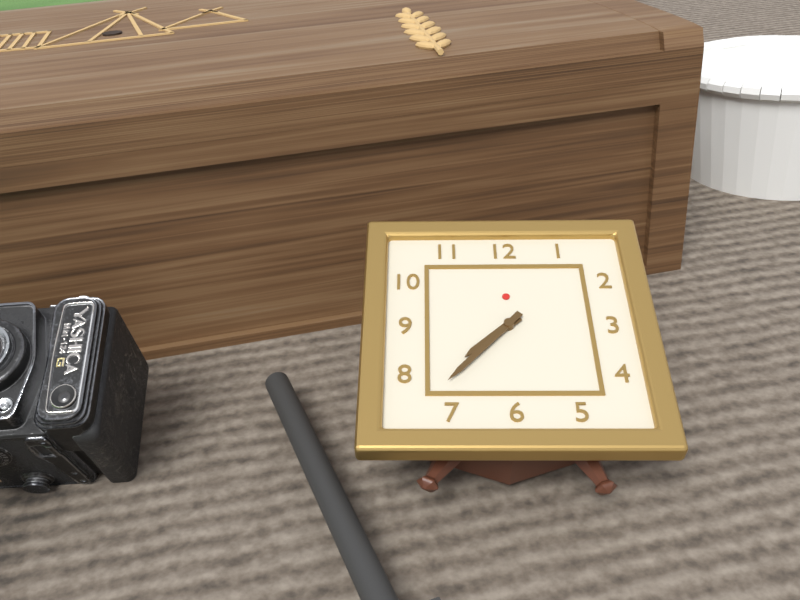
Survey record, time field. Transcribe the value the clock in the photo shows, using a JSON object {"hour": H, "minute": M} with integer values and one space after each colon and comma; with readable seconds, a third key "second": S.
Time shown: {"hour": 7, "minute": 37}
